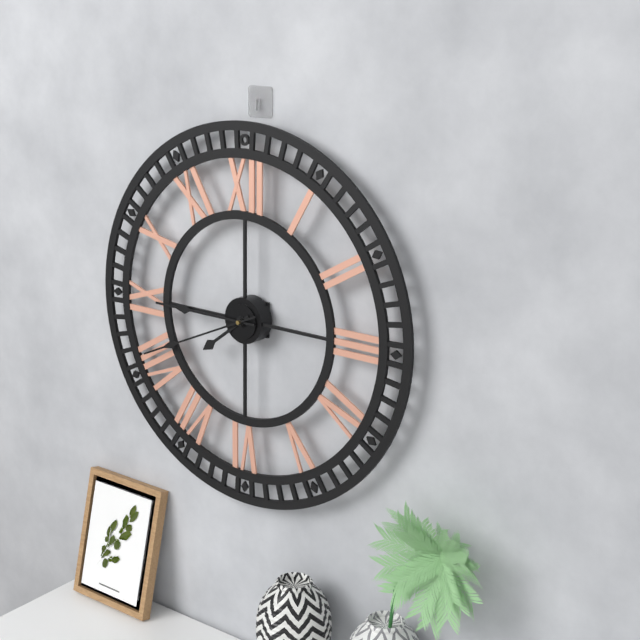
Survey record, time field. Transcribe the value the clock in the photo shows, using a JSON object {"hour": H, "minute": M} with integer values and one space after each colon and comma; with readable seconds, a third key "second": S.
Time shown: {"hour": 7, "minute": 45, "second": 41}
